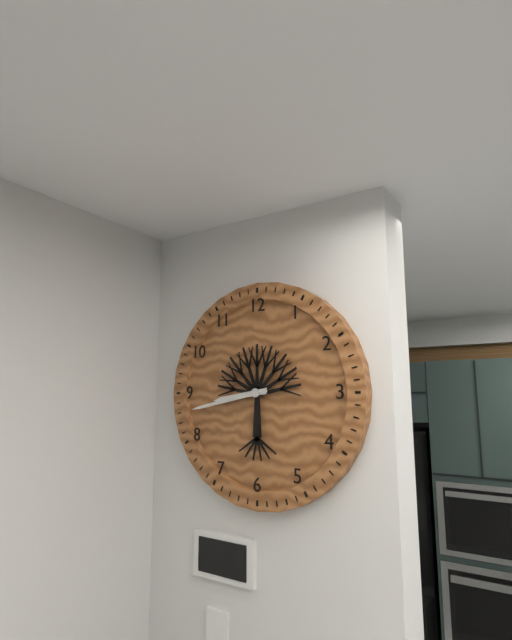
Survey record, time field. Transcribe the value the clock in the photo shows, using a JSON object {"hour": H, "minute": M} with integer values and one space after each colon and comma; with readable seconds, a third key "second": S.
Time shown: {"hour": 8, "minute": 43}
